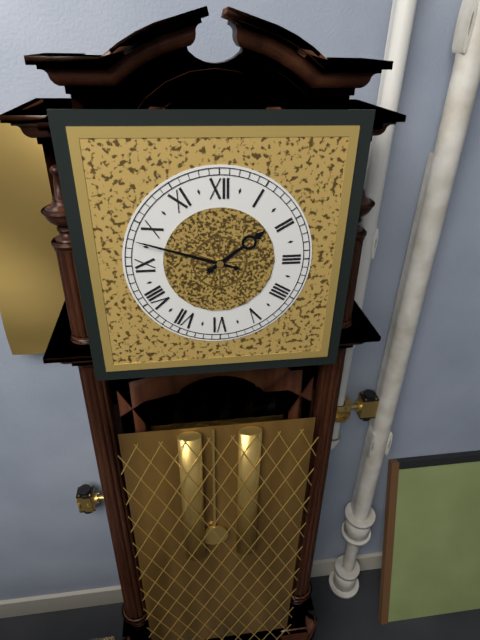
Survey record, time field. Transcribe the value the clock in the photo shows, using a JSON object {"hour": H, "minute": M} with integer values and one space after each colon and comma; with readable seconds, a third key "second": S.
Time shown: {"hour": 1, "minute": 48}
